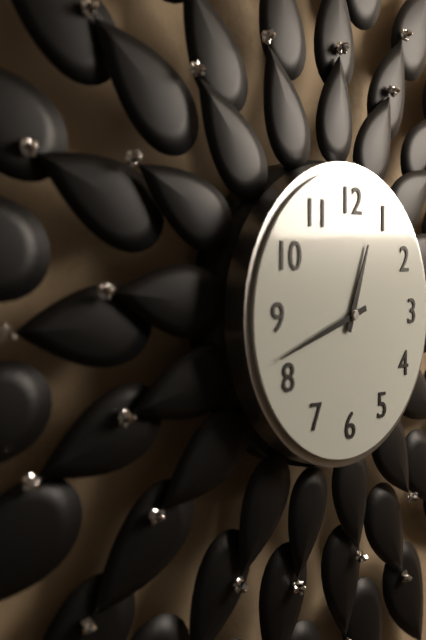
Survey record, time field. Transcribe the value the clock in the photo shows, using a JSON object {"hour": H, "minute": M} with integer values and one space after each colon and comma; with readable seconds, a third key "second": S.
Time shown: {"hour": 12, "minute": 42}
